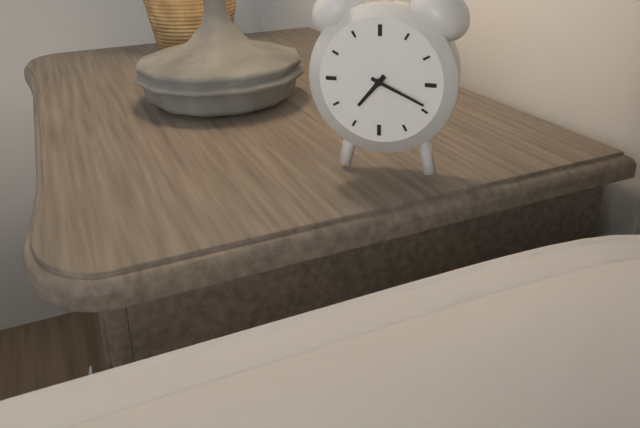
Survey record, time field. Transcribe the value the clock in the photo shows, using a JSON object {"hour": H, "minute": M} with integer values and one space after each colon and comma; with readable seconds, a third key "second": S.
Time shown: {"hour": 7, "minute": 19}
